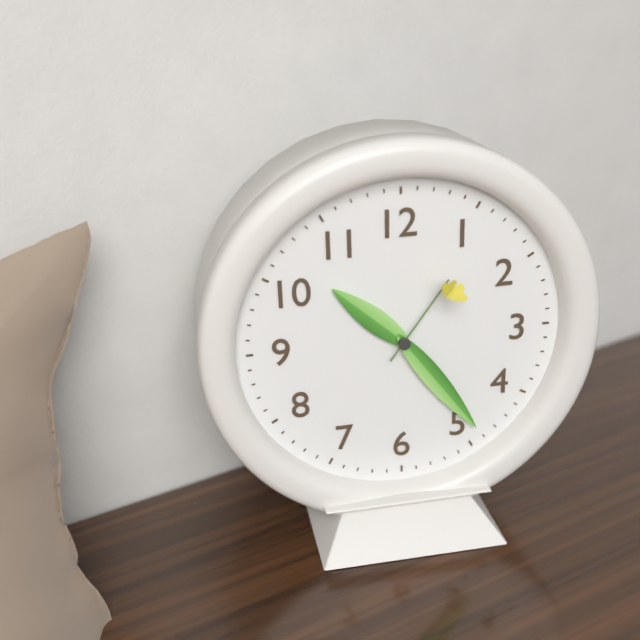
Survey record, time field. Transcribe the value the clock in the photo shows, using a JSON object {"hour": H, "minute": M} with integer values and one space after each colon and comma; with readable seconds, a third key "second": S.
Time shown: {"hour": 10, "minute": 24, "second": 6}
